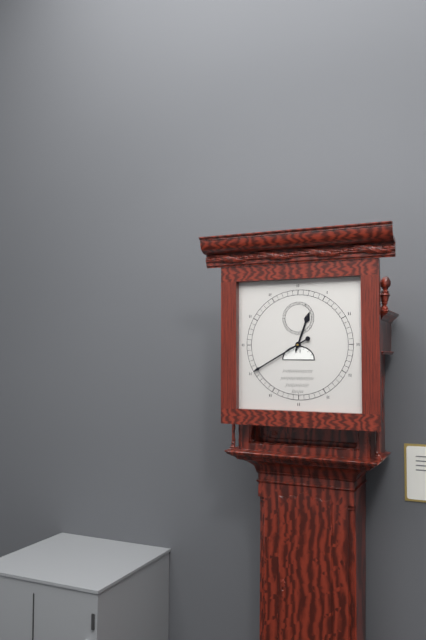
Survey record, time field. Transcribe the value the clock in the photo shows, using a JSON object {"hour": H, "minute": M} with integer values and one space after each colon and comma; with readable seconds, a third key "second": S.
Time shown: {"hour": 12, "minute": 40}
